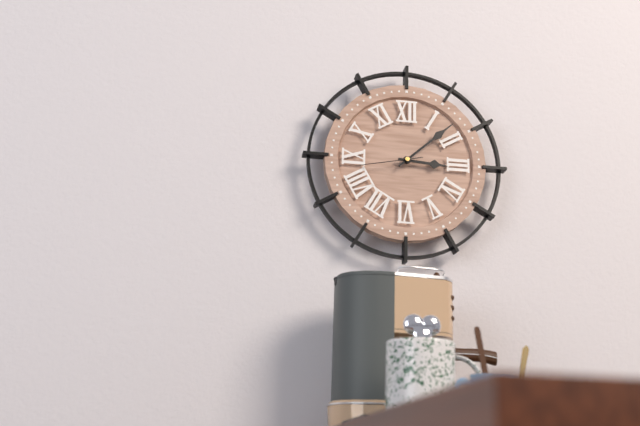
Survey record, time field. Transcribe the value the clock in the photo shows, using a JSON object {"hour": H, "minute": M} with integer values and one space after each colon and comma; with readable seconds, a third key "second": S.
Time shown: {"hour": 3, "minute": 8, "second": 43}
